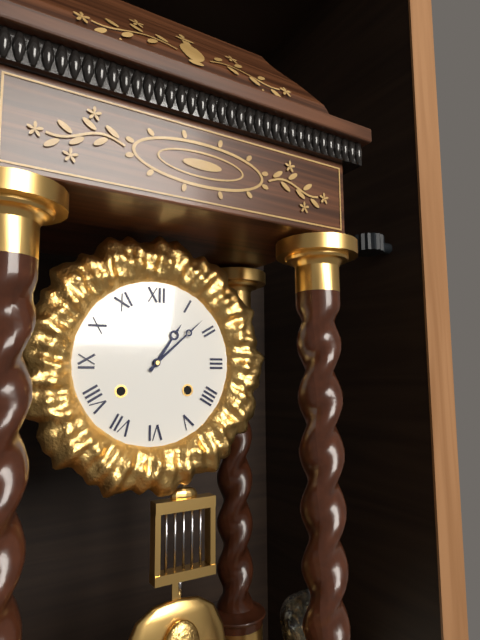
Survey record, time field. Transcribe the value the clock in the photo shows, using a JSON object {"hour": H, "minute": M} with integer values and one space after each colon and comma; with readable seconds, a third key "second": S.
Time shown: {"hour": 1, "minute": 8}
